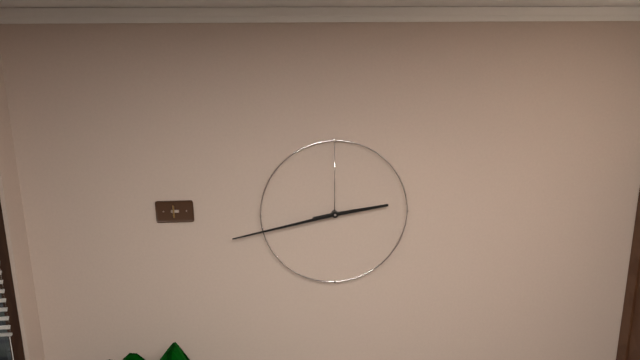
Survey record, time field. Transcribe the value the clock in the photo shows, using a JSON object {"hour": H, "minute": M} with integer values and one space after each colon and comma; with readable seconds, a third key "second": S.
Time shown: {"hour": 2, "minute": 43}
